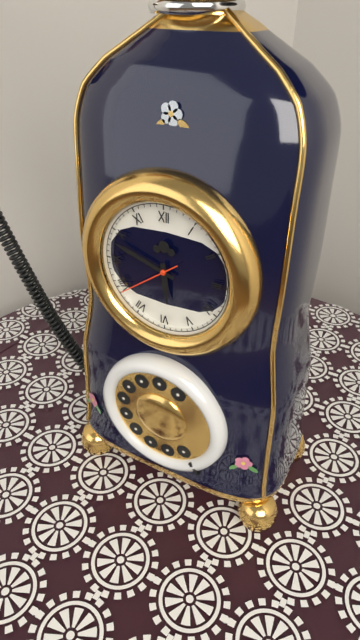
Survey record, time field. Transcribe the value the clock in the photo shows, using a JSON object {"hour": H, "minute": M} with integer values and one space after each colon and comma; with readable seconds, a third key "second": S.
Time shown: {"hour": 5, "minute": 48, "second": 39}
